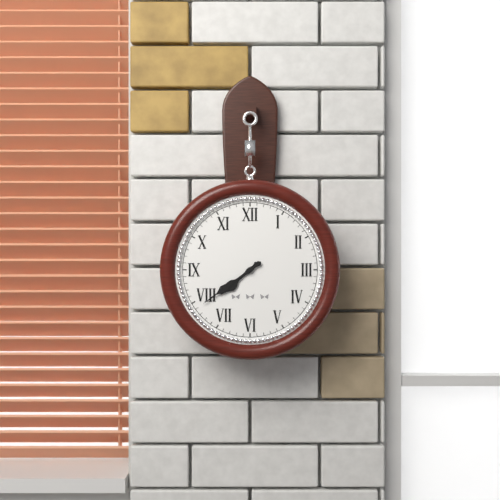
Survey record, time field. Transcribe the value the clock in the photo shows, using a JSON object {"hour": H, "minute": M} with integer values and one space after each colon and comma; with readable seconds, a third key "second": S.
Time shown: {"hour": 7, "minute": 39}
